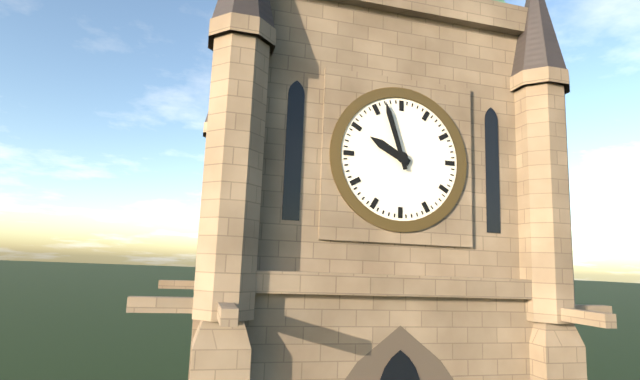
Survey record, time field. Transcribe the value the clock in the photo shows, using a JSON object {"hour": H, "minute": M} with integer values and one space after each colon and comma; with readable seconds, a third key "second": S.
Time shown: {"hour": 9, "minute": 57}
